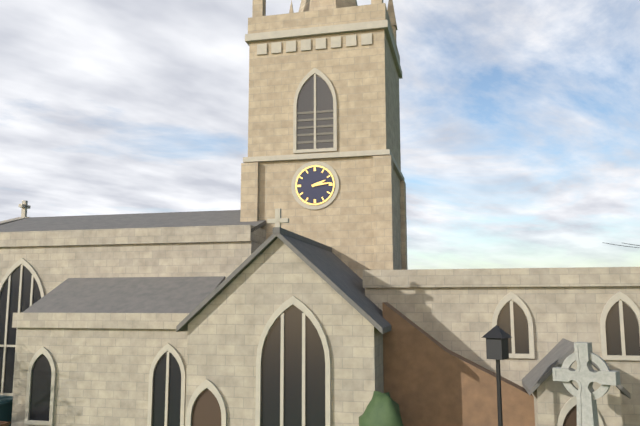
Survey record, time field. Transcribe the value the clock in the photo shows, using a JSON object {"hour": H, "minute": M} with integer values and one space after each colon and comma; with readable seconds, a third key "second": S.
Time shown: {"hour": 2, "minute": 14}
